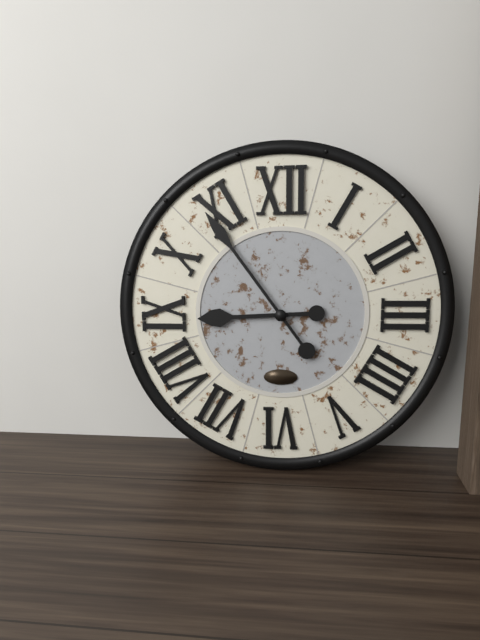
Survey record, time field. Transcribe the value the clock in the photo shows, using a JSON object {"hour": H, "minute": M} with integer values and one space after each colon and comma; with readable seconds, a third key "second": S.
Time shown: {"hour": 8, "minute": 54}
